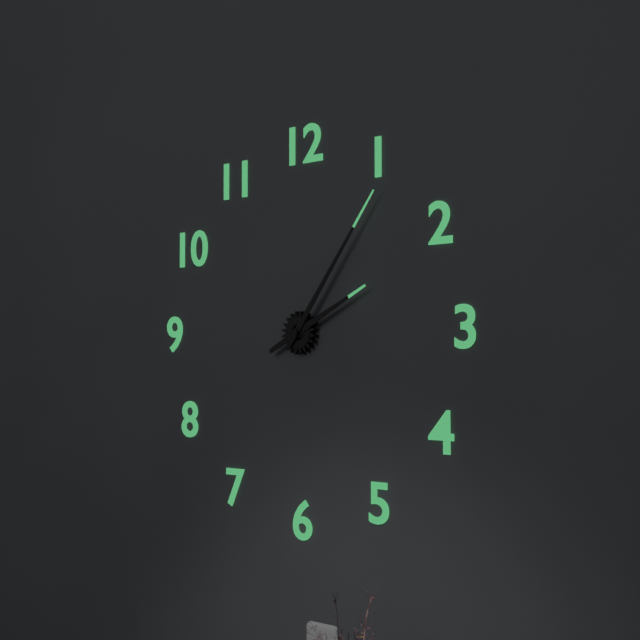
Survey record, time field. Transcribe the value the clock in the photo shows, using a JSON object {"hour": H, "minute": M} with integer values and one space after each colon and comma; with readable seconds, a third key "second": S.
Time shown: {"hour": 2, "minute": 6}
